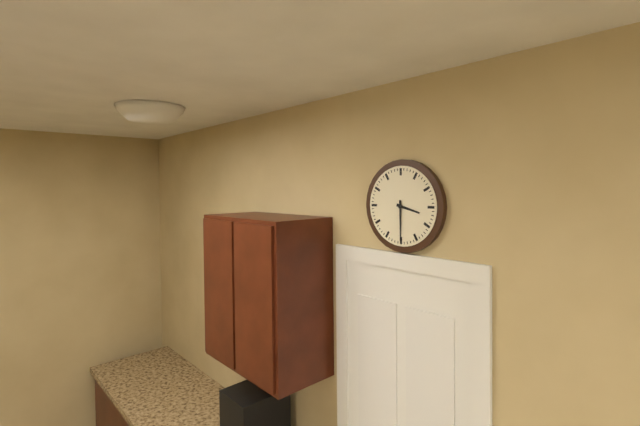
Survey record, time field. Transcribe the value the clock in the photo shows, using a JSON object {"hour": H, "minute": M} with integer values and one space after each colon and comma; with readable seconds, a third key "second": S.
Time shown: {"hour": 3, "minute": 30}
